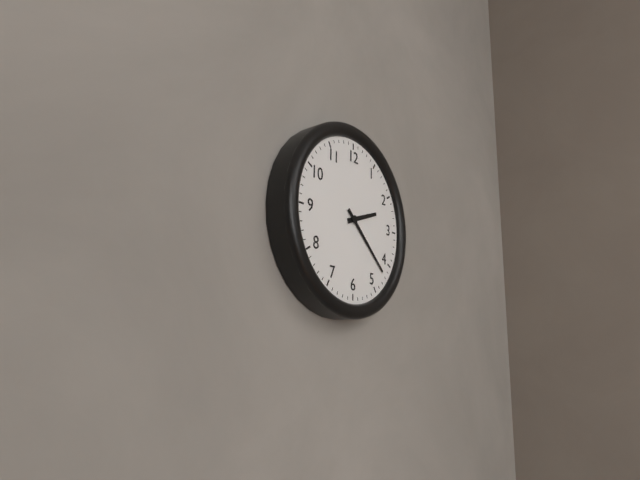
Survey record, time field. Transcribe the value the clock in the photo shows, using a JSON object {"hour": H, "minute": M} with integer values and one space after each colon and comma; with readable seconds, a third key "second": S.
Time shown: {"hour": 2, "minute": 22}
